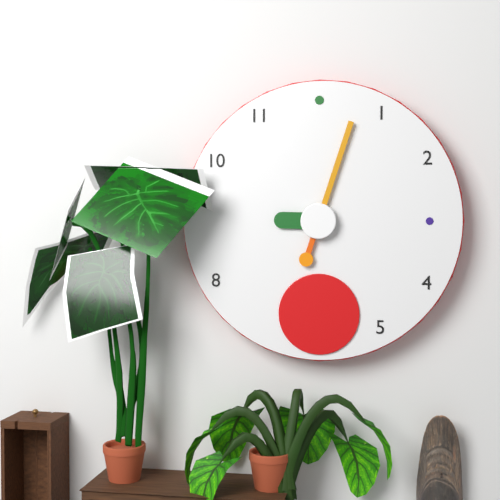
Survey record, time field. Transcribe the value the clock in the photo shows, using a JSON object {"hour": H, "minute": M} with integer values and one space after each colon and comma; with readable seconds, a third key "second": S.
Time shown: {"hour": 9, "minute": 3}
